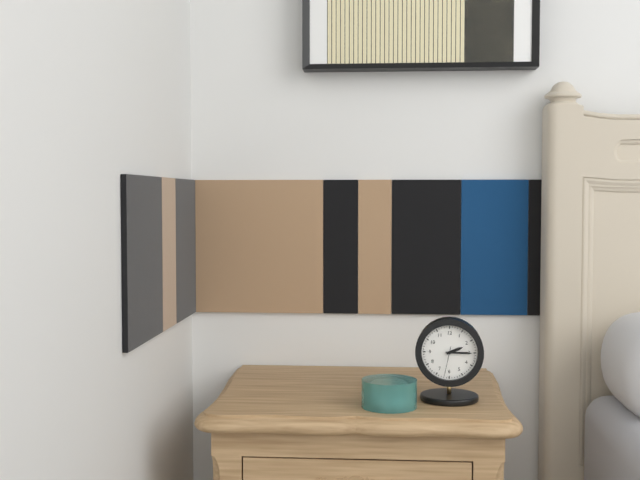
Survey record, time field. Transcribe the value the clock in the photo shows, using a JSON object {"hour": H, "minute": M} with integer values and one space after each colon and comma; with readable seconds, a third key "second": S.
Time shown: {"hour": 2, "minute": 15}
